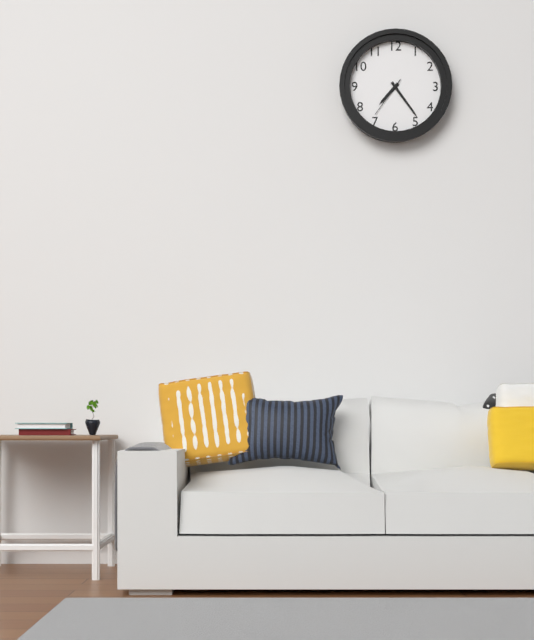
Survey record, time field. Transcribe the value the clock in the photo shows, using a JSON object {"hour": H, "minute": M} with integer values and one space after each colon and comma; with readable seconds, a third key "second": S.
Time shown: {"hour": 7, "minute": 24}
